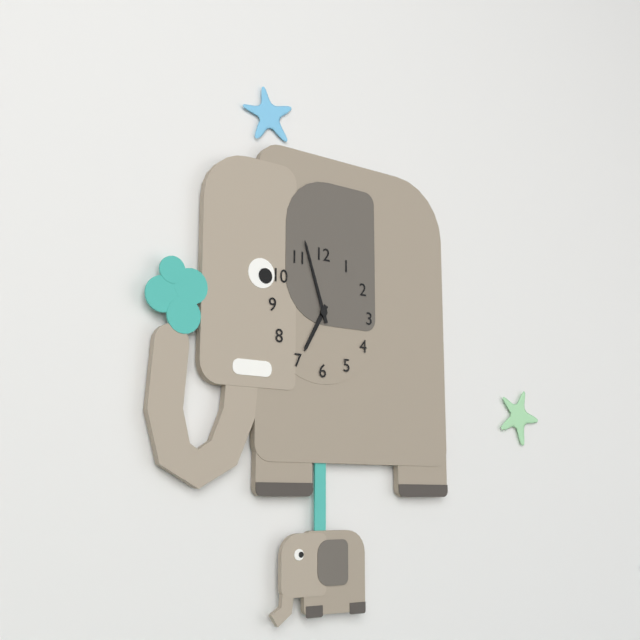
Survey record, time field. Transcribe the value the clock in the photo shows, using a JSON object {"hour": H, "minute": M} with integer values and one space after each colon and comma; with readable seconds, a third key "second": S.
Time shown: {"hour": 6, "minute": 57}
